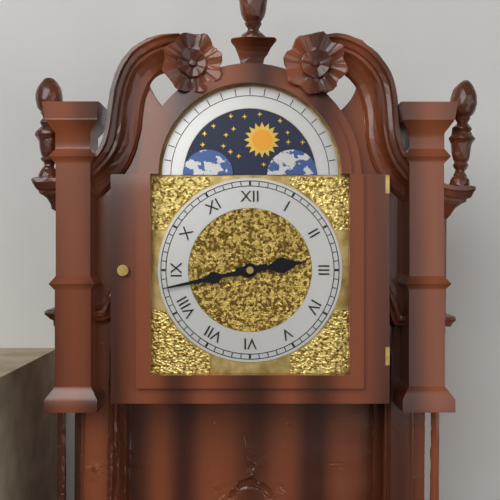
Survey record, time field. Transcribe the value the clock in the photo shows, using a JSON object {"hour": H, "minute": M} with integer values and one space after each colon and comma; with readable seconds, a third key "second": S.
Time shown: {"hour": 2, "minute": 43}
